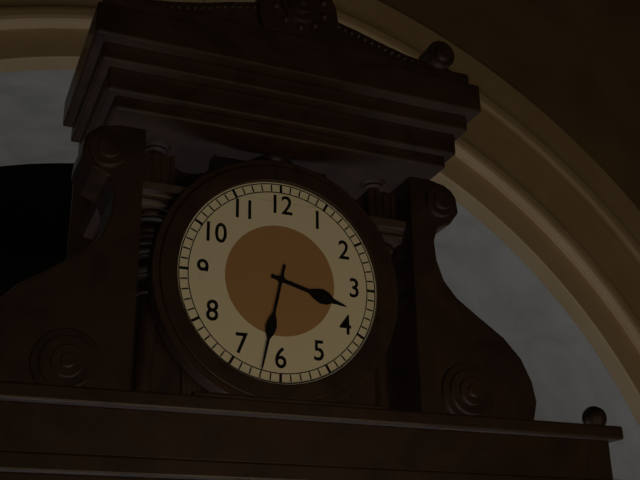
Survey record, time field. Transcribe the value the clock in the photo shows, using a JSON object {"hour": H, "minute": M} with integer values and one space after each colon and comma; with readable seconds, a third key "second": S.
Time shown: {"hour": 3, "minute": 32}
